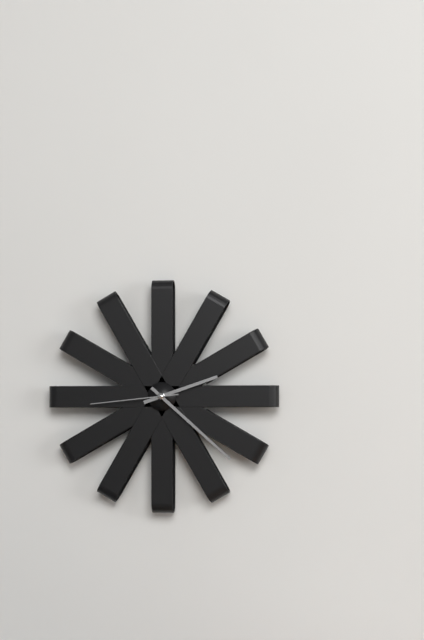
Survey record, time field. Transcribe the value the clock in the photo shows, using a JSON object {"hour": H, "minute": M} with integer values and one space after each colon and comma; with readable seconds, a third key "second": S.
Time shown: {"hour": 2, "minute": 22, "second": 44}
